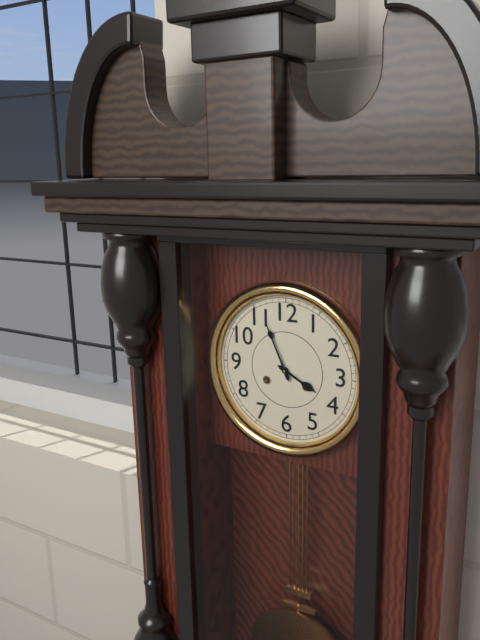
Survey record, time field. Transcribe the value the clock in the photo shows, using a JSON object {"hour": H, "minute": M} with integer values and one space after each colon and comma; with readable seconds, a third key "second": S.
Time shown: {"hour": 3, "minute": 56}
